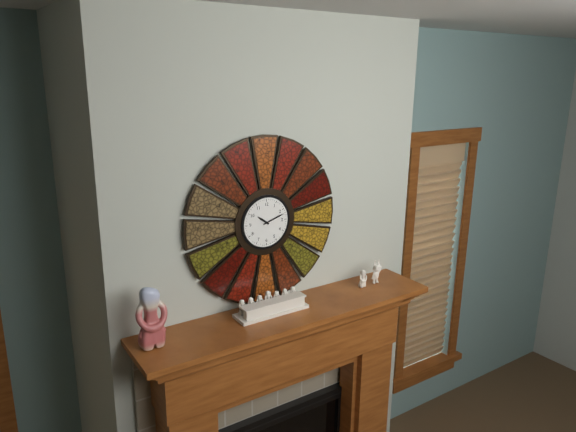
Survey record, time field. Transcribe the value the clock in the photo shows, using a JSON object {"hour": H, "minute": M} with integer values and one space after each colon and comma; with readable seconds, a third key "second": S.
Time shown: {"hour": 10, "minute": 12}
